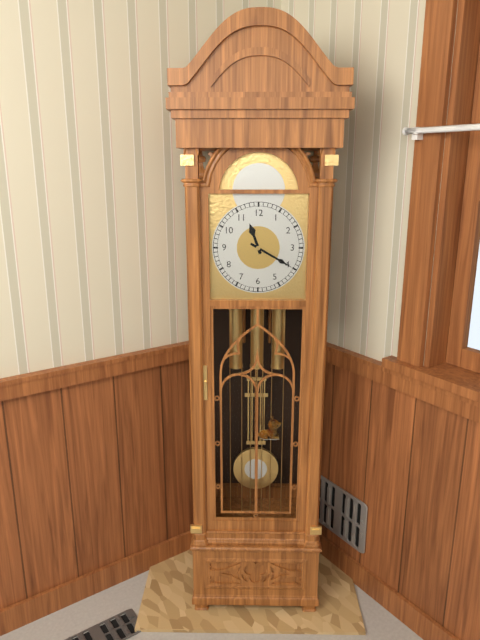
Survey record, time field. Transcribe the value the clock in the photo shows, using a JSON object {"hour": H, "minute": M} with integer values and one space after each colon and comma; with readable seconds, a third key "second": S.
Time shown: {"hour": 11, "minute": 20}
